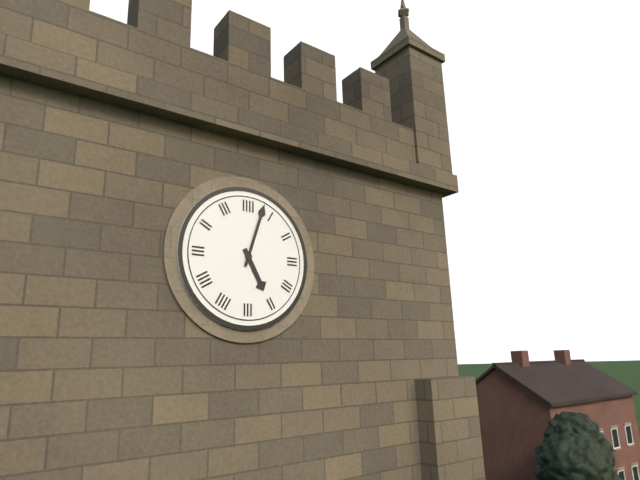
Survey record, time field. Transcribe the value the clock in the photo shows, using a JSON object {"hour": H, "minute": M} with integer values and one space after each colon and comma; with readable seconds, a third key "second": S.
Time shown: {"hour": 5, "minute": 3}
